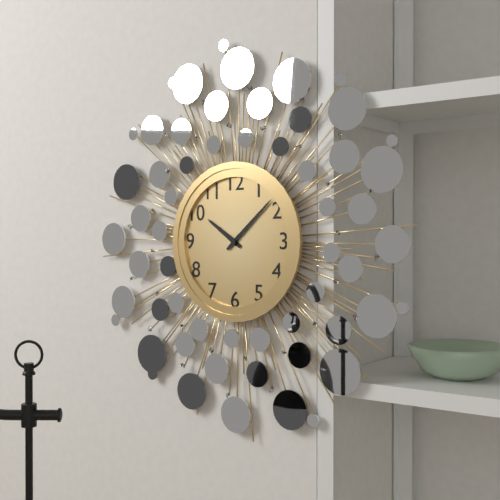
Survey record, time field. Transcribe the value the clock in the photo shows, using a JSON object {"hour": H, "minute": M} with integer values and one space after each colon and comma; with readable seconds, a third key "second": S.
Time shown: {"hour": 10, "minute": 8}
